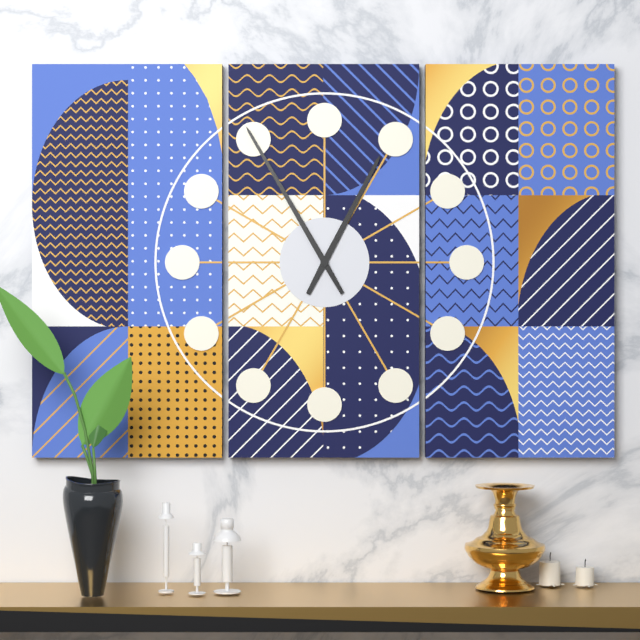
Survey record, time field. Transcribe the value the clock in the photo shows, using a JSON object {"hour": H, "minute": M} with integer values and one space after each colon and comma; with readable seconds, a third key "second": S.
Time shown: {"hour": 12, "minute": 55}
